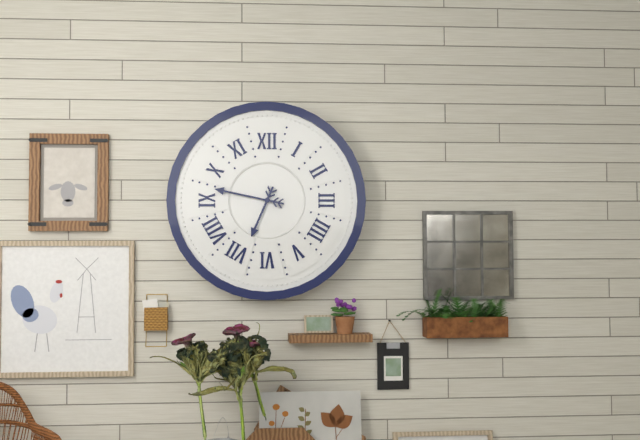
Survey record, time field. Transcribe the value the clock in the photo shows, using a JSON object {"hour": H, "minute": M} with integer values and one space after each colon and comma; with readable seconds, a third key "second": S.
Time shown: {"hour": 6, "minute": 47}
